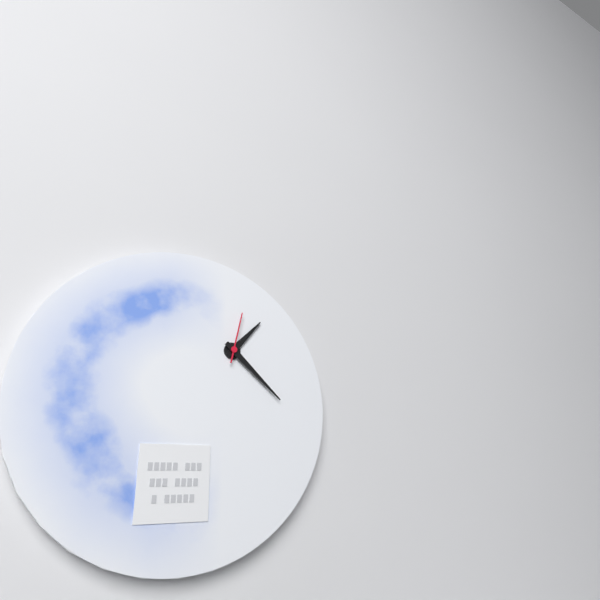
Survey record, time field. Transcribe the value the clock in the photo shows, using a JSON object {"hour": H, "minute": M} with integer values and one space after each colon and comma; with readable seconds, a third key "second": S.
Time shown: {"hour": 1, "minute": 22}
